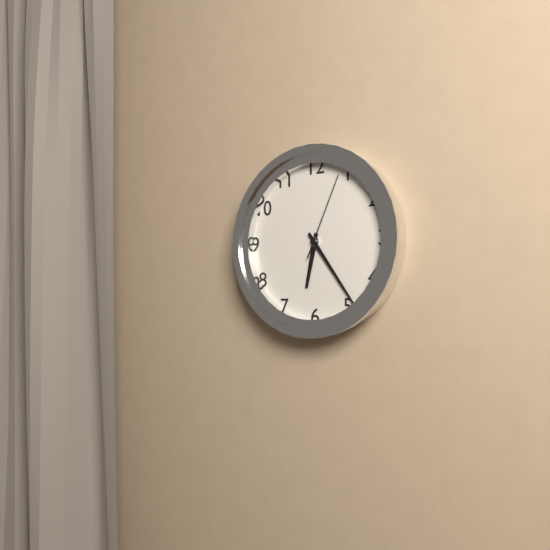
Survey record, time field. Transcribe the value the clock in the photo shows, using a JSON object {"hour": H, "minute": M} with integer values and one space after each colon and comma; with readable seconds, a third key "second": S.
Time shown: {"hour": 6, "minute": 24, "second": 4}
